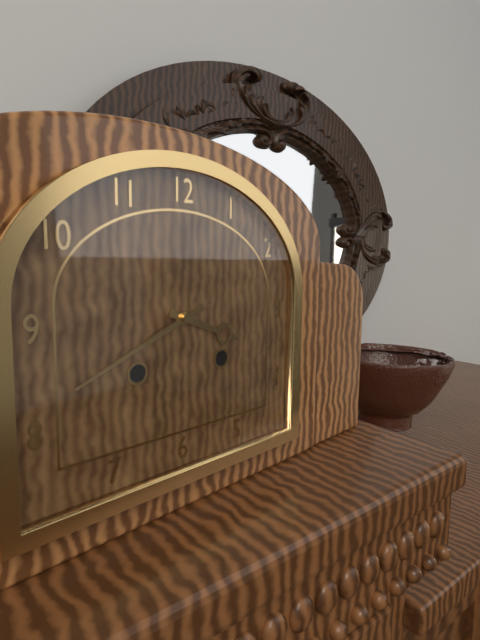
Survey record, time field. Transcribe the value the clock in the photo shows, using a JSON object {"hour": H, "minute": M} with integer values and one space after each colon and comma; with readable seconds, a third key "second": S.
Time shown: {"hour": 3, "minute": 41}
